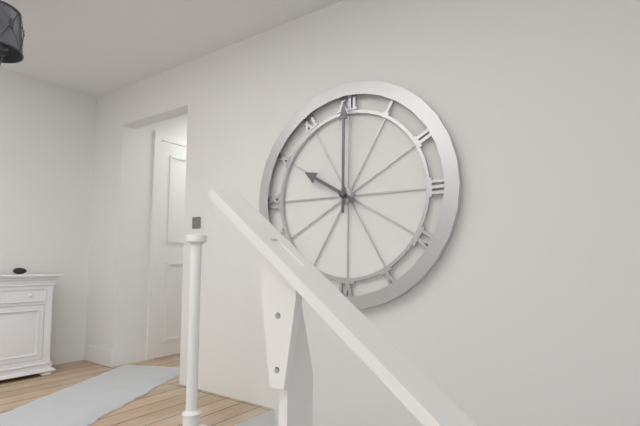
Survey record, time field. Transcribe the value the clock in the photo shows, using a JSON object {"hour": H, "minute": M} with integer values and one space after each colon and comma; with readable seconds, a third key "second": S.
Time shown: {"hour": 10, "minute": 0}
